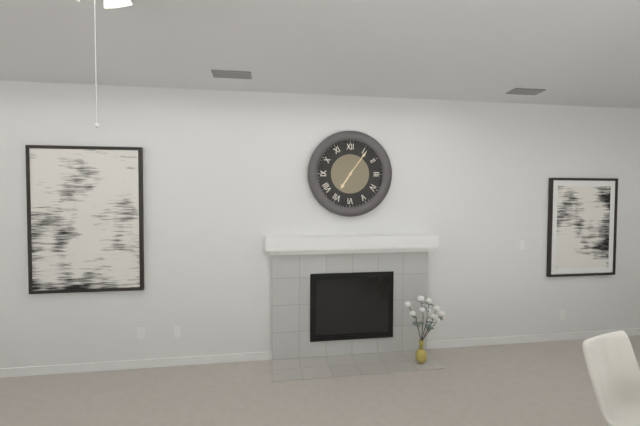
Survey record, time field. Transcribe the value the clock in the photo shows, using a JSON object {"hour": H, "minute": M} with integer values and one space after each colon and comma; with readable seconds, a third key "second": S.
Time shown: {"hour": 7, "minute": 6}
